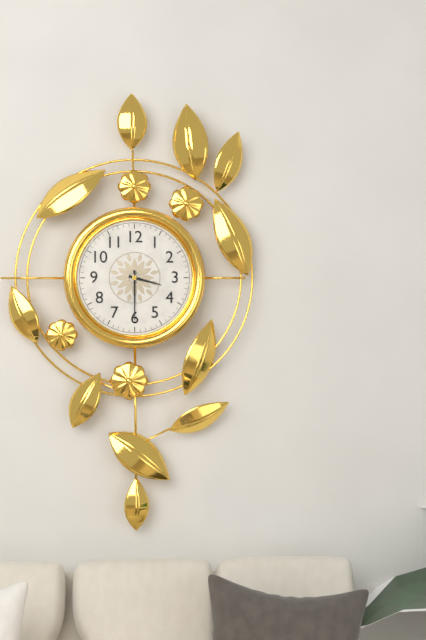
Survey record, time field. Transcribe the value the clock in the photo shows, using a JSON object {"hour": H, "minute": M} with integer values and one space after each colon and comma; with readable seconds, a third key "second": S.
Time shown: {"hour": 3, "minute": 30}
